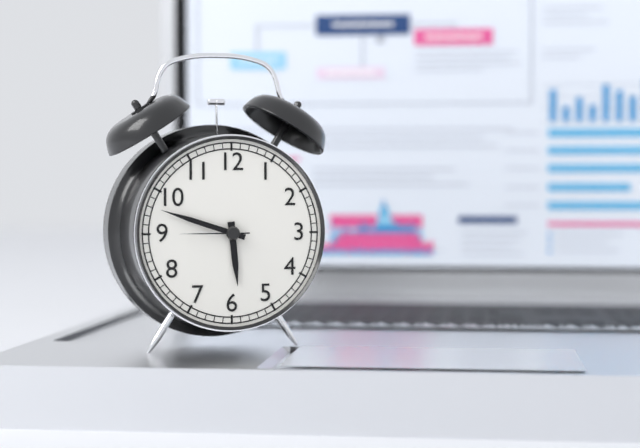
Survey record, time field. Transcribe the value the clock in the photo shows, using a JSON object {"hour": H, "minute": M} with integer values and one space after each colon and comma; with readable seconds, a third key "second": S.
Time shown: {"hour": 5, "minute": 48, "second": 45}
